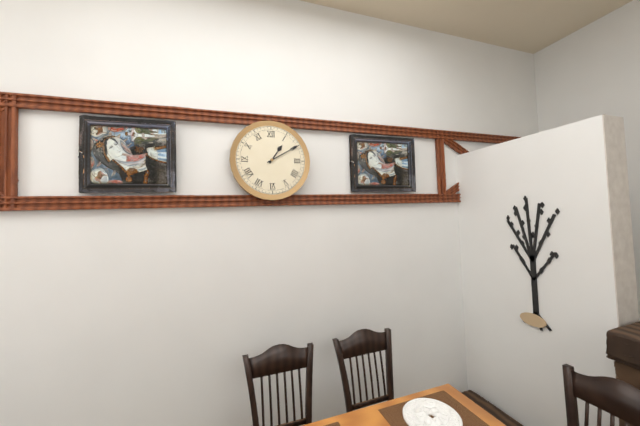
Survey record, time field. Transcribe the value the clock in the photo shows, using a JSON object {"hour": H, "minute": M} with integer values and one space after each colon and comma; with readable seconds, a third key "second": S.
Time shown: {"hour": 1, "minute": 10}
